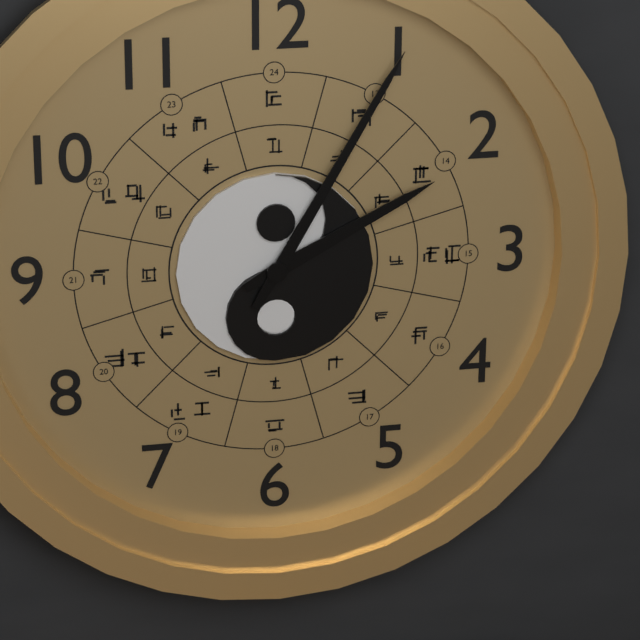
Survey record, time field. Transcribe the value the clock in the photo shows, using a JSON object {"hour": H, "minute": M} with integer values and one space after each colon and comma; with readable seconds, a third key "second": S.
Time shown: {"hour": 2, "minute": 5}
